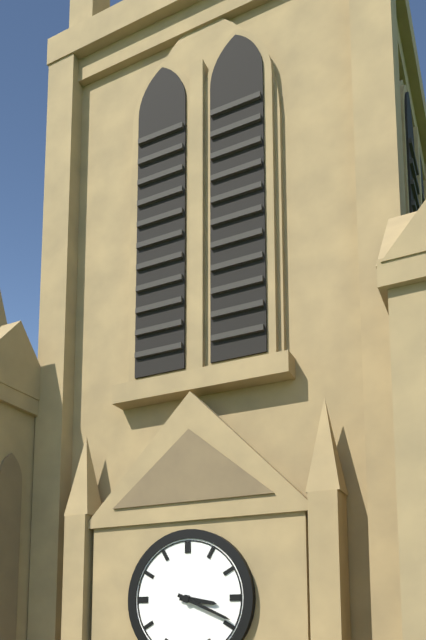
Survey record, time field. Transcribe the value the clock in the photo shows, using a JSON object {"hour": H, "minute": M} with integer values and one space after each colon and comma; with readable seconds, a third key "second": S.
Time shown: {"hour": 3, "minute": 19}
